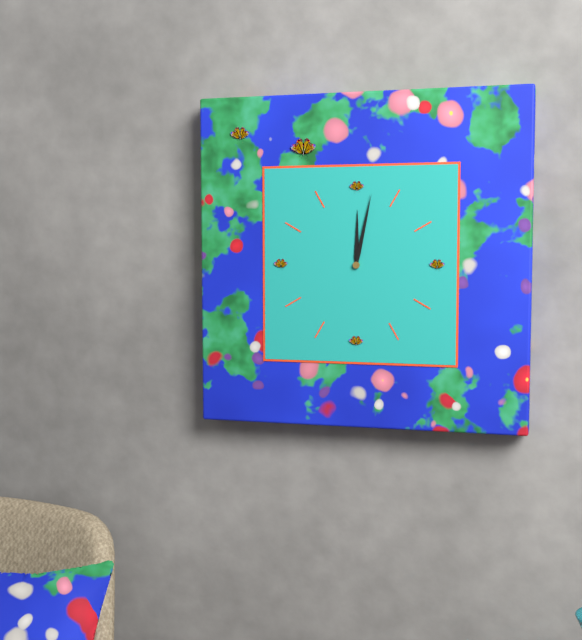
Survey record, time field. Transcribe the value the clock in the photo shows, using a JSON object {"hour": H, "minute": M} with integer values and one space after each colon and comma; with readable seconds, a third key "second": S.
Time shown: {"hour": 12, "minute": 2}
